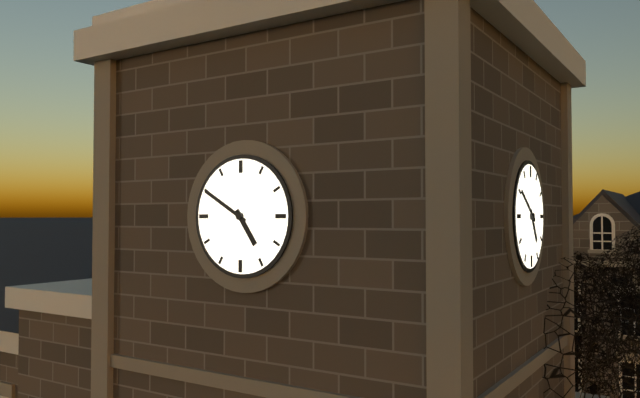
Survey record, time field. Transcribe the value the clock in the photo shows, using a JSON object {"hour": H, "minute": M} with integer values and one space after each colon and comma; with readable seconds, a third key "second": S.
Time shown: {"hour": 4, "minute": 50}
